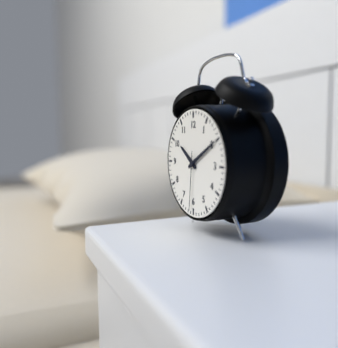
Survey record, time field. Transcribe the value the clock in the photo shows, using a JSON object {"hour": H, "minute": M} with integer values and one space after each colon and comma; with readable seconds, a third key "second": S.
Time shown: {"hour": 10, "minute": 10, "second": 31}
